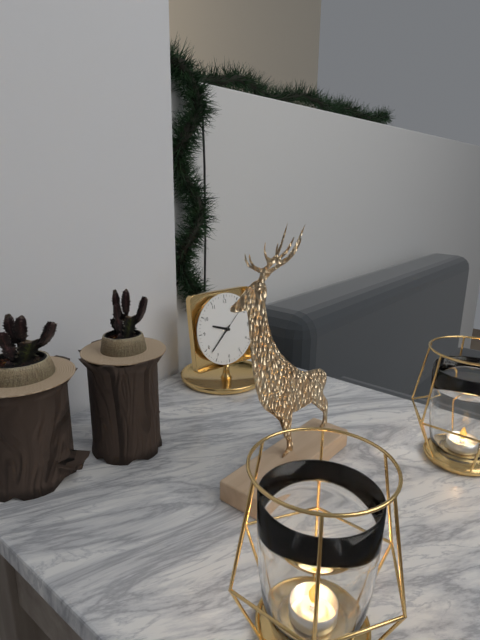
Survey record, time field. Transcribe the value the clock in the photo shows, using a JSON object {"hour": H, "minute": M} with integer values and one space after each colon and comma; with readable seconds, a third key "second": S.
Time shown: {"hour": 9, "minute": 38}
